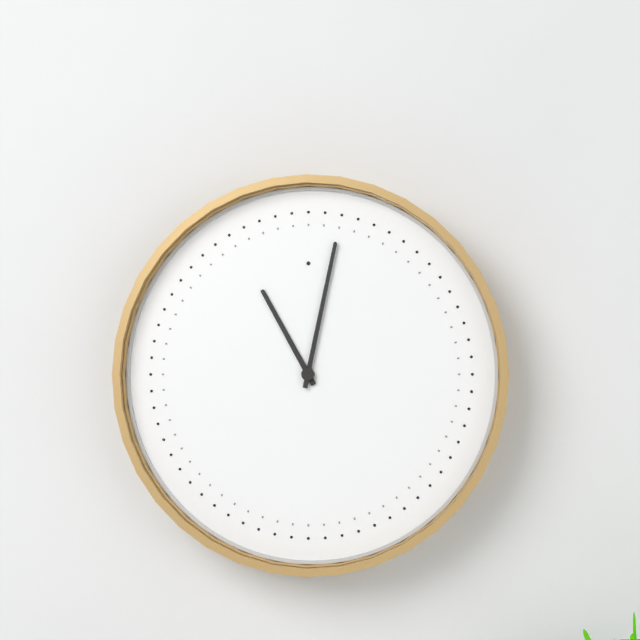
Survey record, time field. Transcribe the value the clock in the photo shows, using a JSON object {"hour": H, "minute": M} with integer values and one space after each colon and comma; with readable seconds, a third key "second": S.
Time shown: {"hour": 11, "minute": 2}
